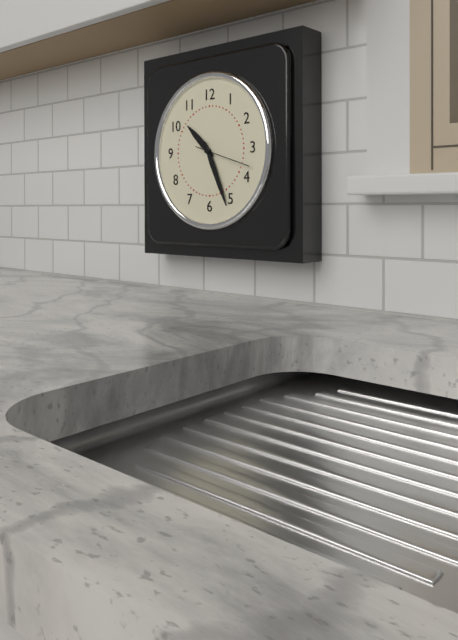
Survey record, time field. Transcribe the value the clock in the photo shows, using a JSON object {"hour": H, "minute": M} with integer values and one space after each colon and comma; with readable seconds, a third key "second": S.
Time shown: {"hour": 10, "minute": 26, "second": 18}
